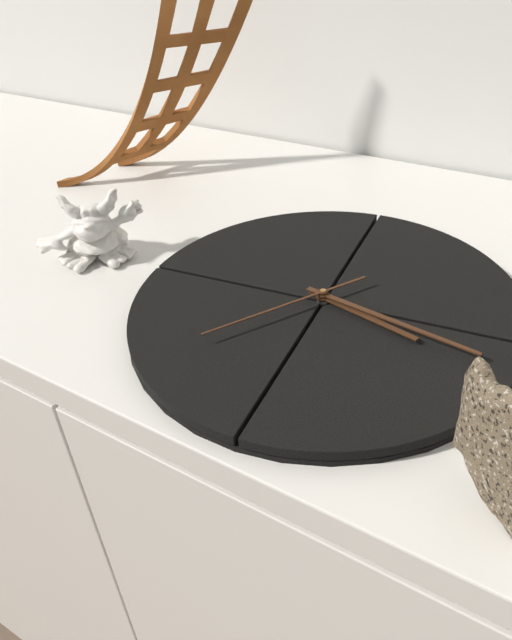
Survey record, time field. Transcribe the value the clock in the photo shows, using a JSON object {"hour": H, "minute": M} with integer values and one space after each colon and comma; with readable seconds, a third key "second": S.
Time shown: {"hour": 4, "minute": 21, "second": 40}
